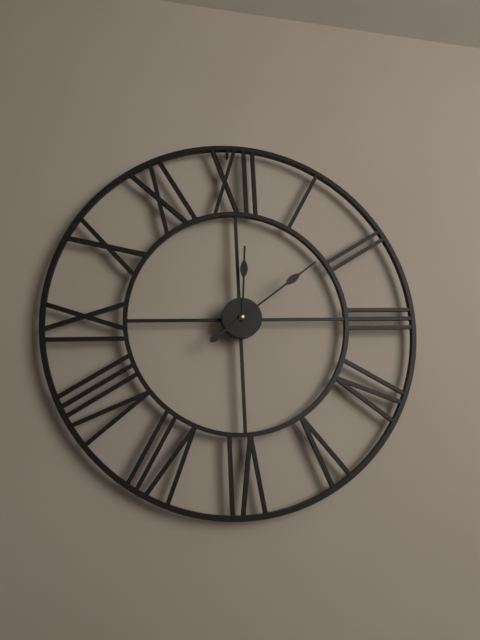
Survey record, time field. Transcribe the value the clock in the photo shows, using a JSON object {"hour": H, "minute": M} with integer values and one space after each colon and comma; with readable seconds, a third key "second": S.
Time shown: {"hour": 12, "minute": 9}
